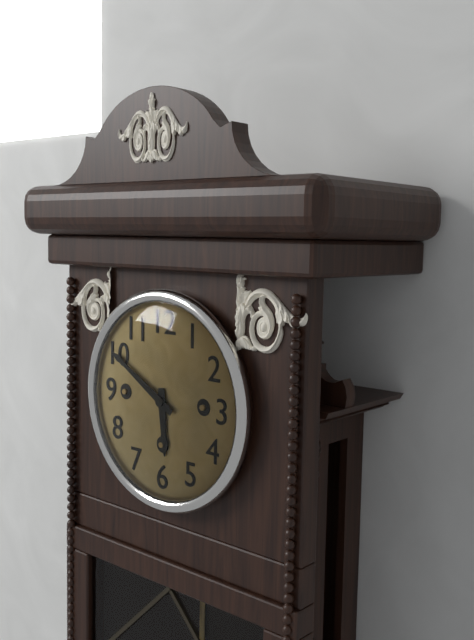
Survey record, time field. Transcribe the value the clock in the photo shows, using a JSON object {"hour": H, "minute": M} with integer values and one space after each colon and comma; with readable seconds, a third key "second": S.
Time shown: {"hour": 5, "minute": 50}
